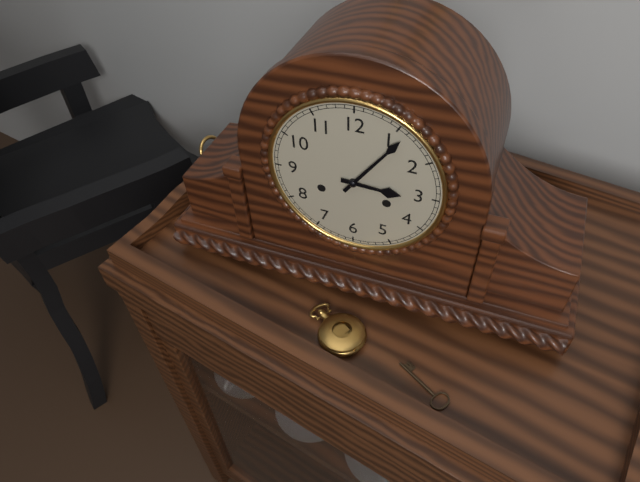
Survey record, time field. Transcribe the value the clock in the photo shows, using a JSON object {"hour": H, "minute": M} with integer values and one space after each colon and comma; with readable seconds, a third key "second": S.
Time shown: {"hour": 3, "minute": 6}
